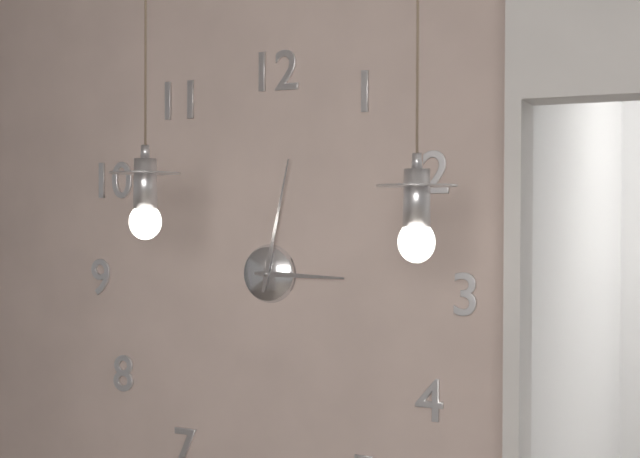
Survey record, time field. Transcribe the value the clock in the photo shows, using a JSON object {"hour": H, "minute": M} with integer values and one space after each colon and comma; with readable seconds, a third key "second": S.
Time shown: {"hour": 3, "minute": 2}
